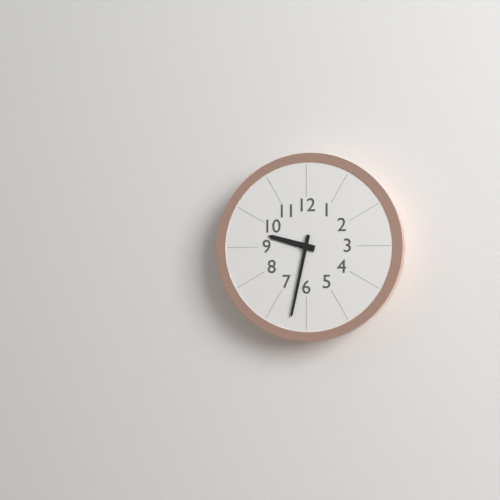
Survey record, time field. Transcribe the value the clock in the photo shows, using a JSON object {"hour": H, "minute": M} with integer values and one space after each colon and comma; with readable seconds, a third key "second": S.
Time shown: {"hour": 9, "minute": 32}
